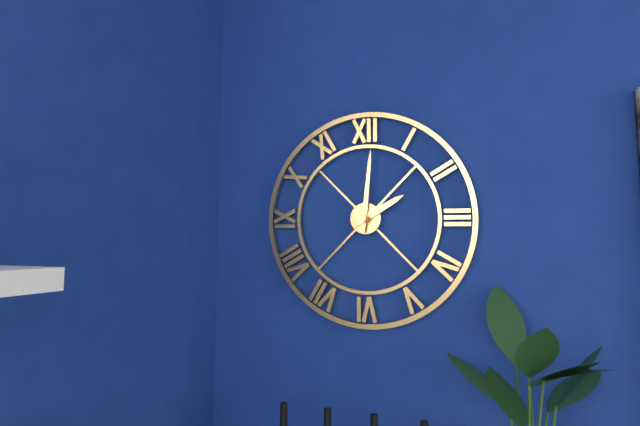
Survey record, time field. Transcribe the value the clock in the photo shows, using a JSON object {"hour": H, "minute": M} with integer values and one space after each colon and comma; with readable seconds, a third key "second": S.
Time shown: {"hour": 2, "minute": 1}
